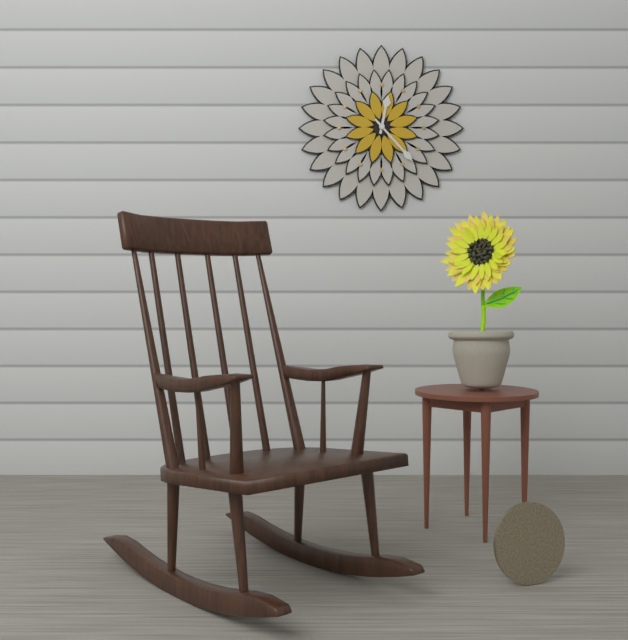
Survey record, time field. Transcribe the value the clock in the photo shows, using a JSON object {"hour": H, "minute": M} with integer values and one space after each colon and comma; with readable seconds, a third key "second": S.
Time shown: {"hour": 12, "minute": 23}
